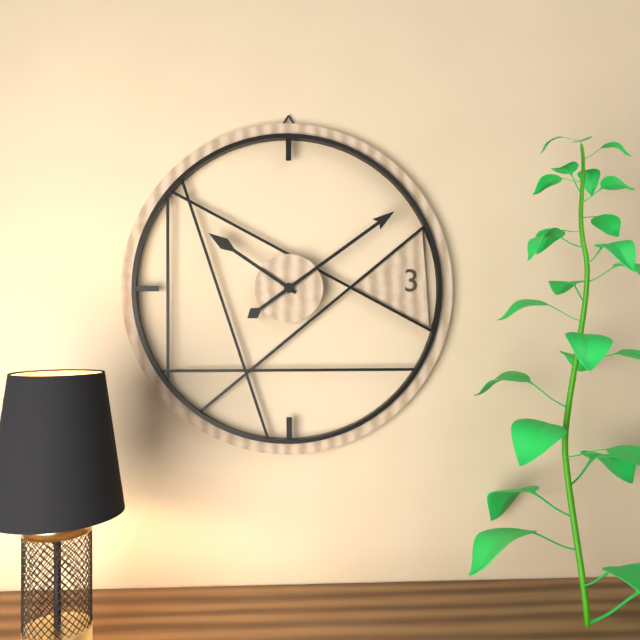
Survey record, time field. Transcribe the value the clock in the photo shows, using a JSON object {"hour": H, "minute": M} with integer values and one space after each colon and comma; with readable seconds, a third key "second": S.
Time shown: {"hour": 10, "minute": 9}
